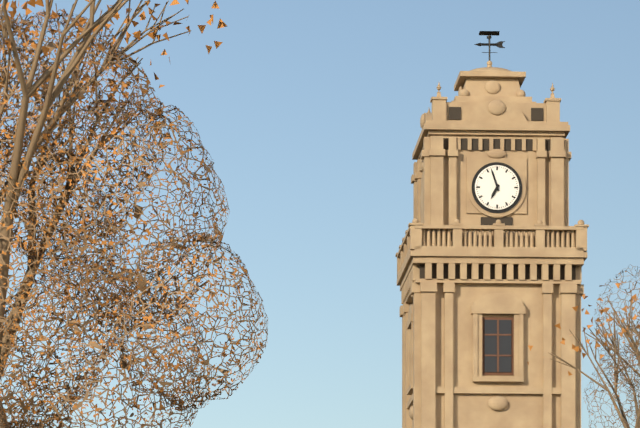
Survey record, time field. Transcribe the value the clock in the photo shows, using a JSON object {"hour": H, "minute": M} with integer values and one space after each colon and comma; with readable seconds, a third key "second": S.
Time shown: {"hour": 6, "minute": 57}
